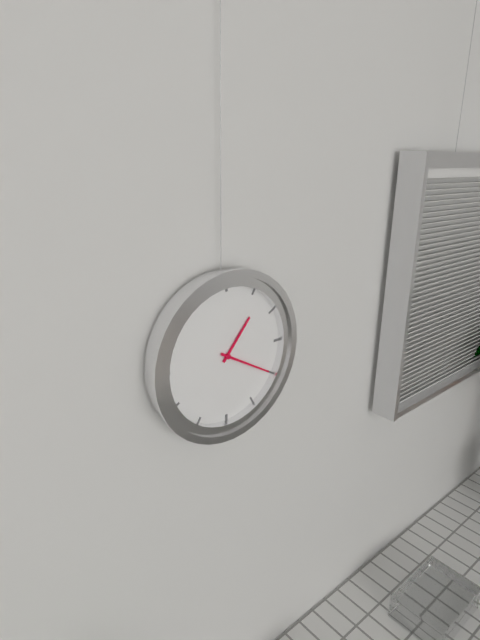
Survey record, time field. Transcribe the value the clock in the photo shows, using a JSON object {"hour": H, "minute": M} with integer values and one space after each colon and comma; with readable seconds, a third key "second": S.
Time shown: {"hour": 1, "minute": 20}
